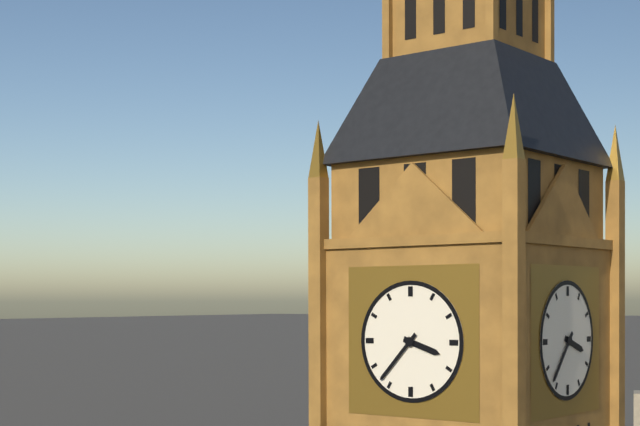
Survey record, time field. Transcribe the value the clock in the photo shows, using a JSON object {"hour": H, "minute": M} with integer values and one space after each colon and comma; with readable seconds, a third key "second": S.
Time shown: {"hour": 3, "minute": 37}
